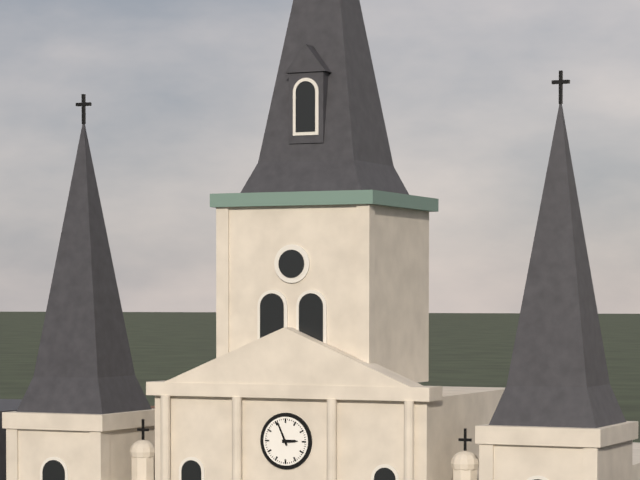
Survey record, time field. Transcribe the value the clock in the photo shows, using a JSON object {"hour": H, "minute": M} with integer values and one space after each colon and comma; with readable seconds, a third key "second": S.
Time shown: {"hour": 2, "minute": 56}
